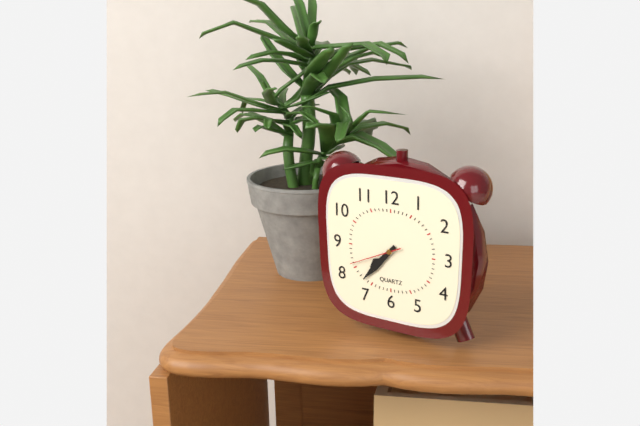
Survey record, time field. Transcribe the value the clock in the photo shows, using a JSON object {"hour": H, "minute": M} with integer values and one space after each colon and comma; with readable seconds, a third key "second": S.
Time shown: {"hour": 7, "minute": 37, "second": 41}
